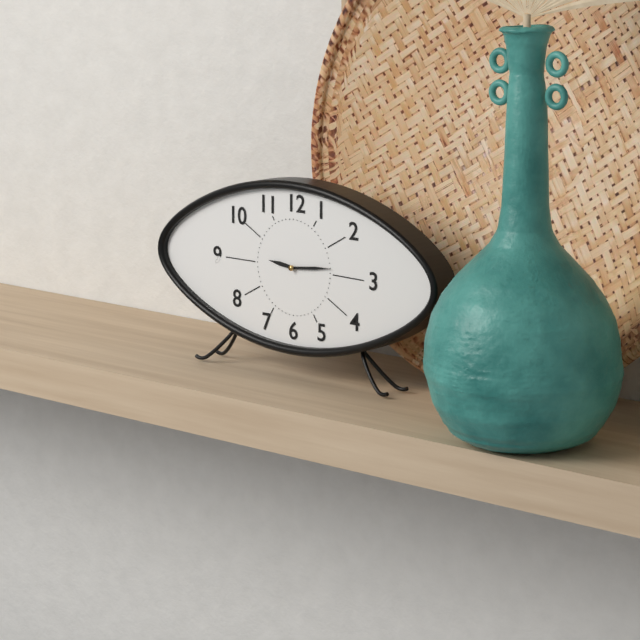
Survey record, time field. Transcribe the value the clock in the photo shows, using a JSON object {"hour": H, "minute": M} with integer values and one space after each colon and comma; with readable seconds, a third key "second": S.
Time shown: {"hour": 9, "minute": 14}
